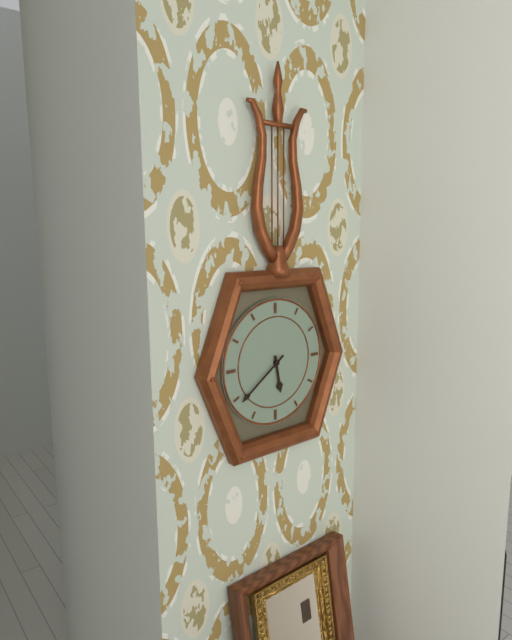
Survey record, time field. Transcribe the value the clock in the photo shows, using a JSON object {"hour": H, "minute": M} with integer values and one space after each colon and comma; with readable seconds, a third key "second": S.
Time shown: {"hour": 5, "minute": 39}
